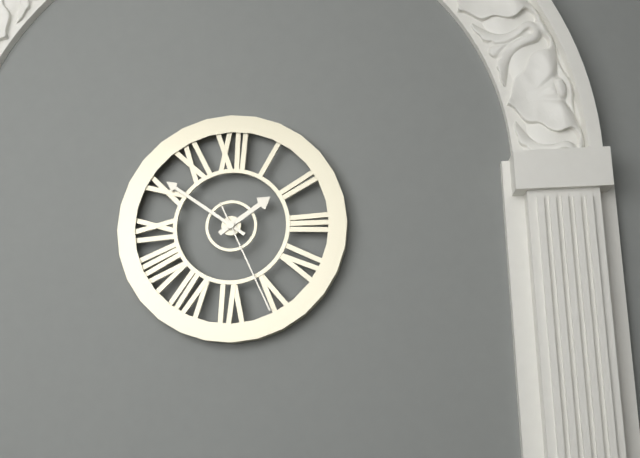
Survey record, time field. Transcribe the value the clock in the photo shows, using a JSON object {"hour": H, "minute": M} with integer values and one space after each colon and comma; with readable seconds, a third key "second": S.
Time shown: {"hour": 1, "minute": 51, "second": 26}
